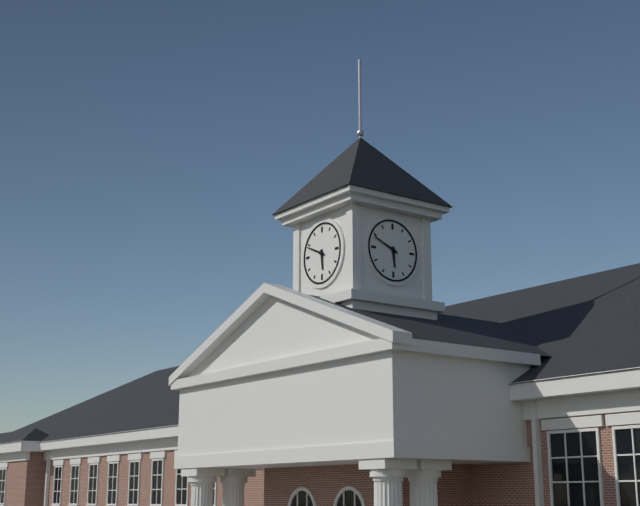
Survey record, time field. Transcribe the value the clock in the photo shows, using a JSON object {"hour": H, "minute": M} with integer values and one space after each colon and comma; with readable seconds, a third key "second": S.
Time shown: {"hour": 5, "minute": 49}
